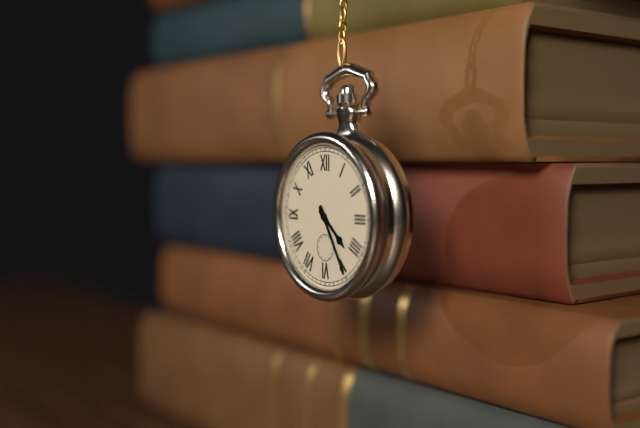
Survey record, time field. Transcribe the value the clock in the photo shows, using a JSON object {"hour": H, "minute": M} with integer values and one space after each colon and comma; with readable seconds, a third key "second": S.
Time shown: {"hour": 4, "minute": 25}
